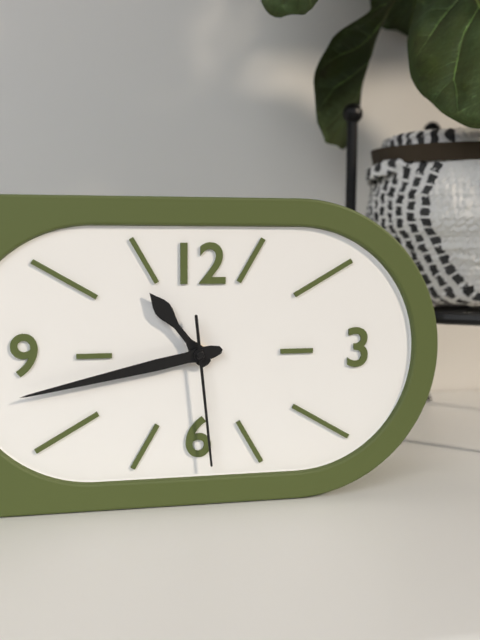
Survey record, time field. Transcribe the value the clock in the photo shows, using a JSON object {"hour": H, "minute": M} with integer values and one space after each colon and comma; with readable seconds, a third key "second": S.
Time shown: {"hour": 10, "minute": 43, "second": 29}
